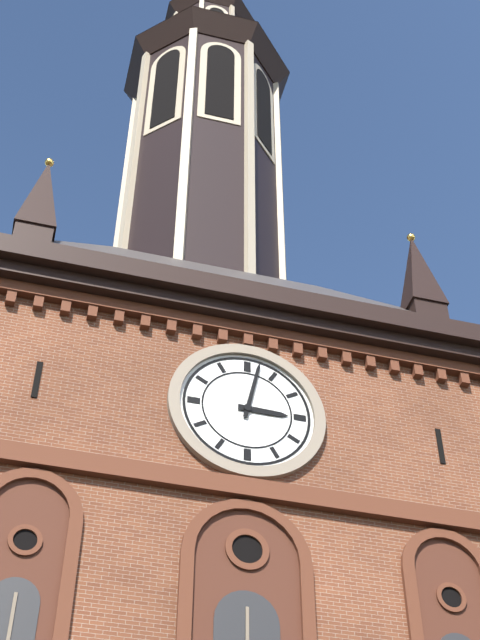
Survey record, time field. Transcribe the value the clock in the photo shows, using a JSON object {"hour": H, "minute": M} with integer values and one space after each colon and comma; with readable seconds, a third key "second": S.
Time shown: {"hour": 3, "minute": 2}
